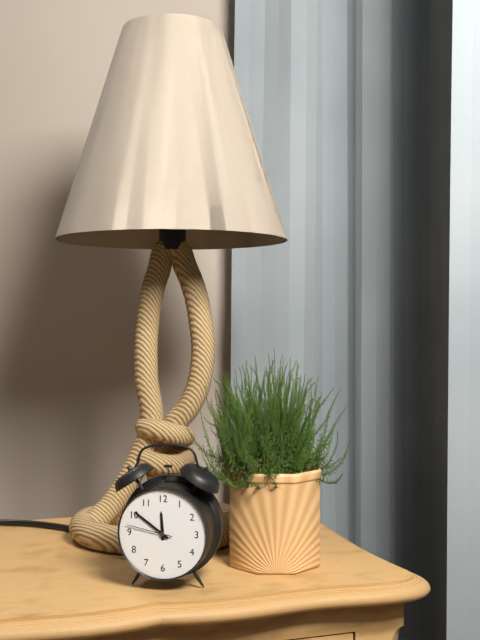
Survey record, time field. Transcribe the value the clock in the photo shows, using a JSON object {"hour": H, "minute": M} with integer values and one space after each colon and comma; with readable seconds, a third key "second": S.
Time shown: {"hour": 11, "minute": 51}
